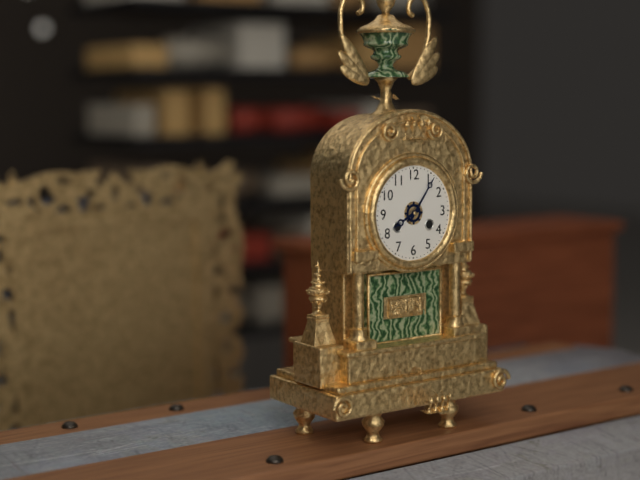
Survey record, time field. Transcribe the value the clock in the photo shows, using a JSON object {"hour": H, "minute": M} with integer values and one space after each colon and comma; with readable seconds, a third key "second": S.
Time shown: {"hour": 8, "minute": 6}
